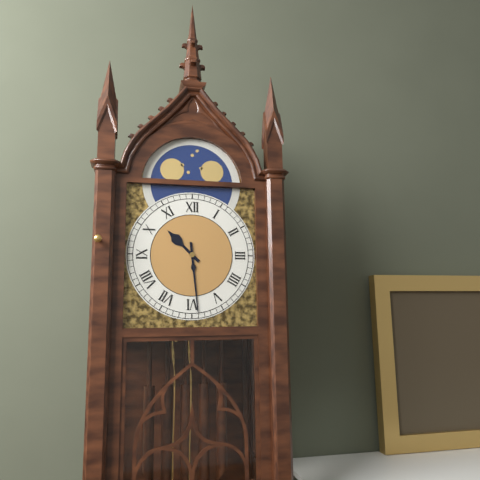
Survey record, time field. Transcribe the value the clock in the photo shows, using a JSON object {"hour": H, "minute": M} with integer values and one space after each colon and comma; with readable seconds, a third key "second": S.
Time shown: {"hour": 10, "minute": 29}
